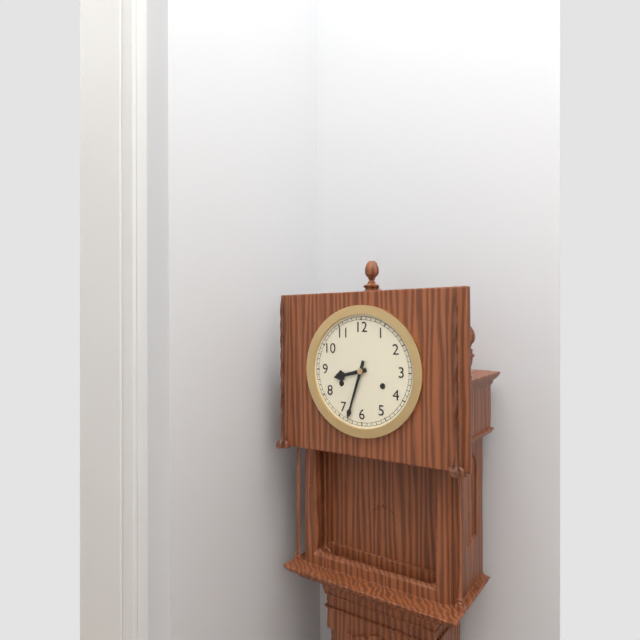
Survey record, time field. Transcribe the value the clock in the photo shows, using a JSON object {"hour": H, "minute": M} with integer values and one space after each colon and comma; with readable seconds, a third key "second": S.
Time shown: {"hour": 8, "minute": 33}
